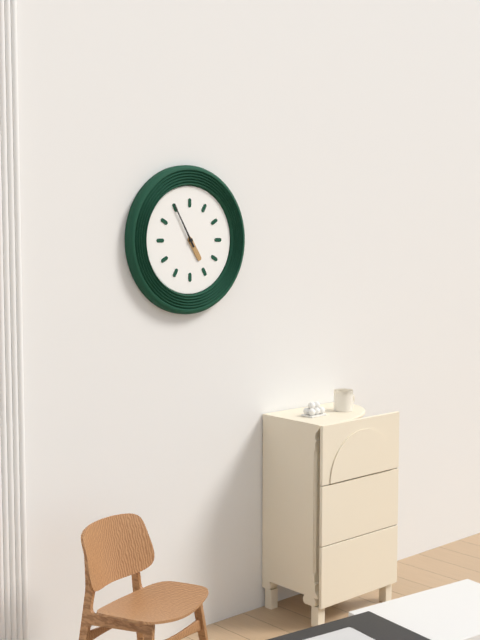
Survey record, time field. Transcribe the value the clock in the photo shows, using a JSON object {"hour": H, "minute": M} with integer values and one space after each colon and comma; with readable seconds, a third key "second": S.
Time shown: {"hour": 4, "minute": 55}
